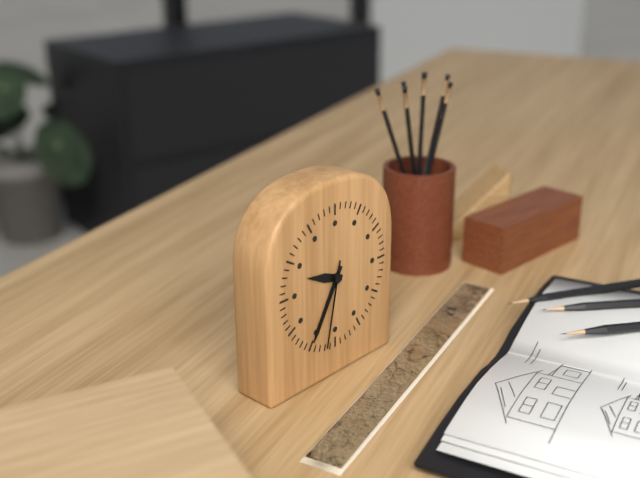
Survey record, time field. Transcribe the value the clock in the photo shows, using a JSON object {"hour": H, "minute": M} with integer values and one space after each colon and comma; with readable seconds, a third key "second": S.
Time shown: {"hour": 9, "minute": 35, "second": 32}
